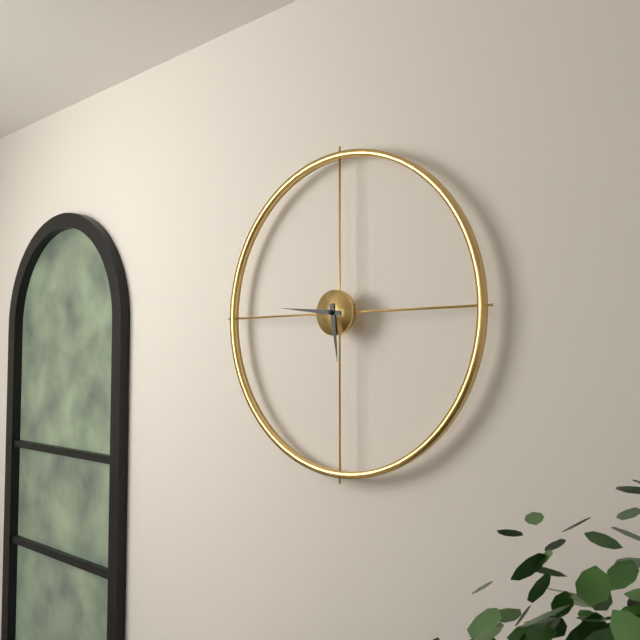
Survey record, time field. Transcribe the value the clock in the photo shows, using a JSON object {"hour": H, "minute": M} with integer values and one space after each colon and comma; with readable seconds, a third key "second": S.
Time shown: {"hour": 5, "minute": 46}
